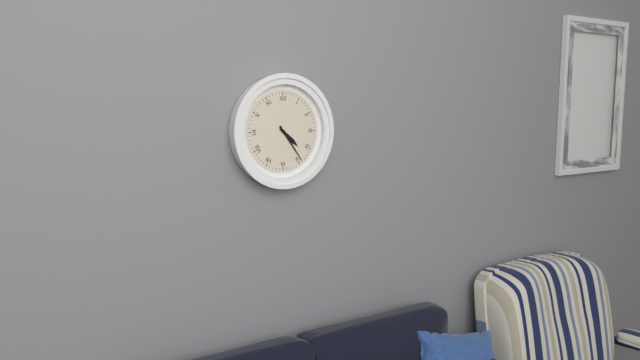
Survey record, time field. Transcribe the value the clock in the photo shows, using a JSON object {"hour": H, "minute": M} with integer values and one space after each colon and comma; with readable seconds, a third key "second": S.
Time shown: {"hour": 4, "minute": 24}
